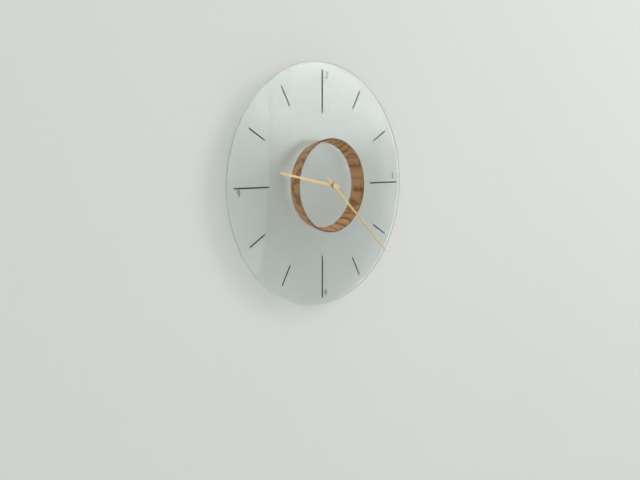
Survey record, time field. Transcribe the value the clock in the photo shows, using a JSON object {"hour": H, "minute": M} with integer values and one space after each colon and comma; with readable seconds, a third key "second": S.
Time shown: {"hour": 9, "minute": 22}
